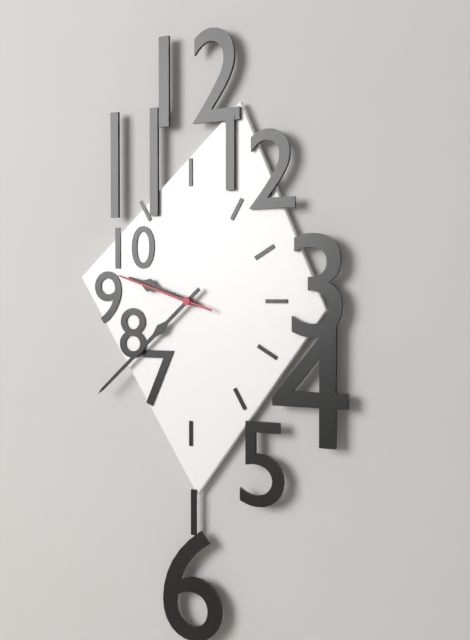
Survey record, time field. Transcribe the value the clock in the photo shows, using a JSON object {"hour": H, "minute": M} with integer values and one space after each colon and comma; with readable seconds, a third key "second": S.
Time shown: {"hour": 9, "minute": 38, "second": 48}
